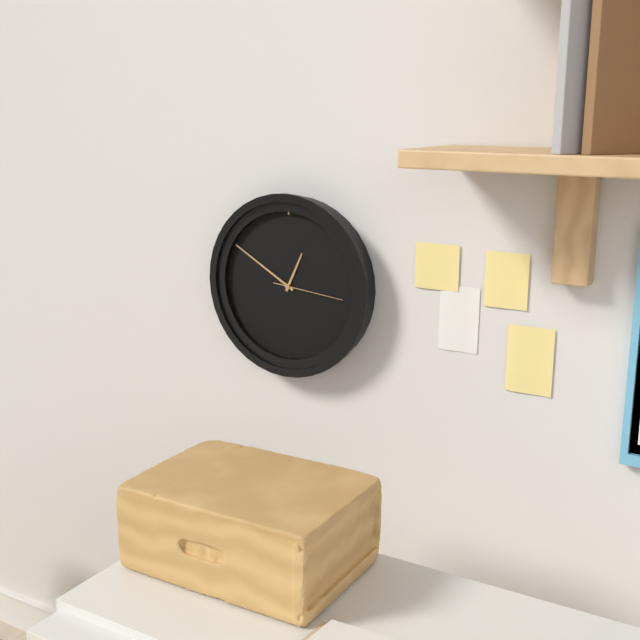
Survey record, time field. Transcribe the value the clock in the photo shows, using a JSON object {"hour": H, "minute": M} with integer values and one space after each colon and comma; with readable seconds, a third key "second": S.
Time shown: {"hour": 12, "minute": 50, "second": 16}
